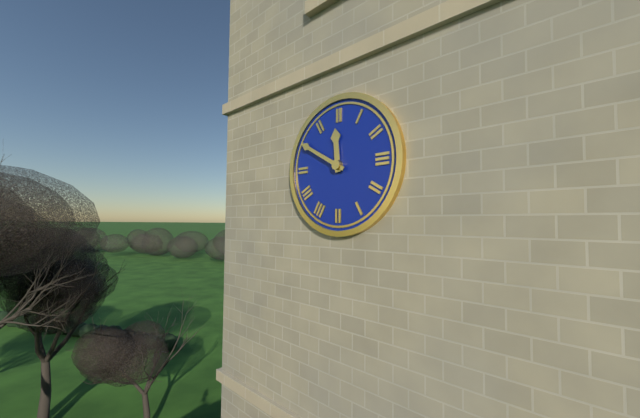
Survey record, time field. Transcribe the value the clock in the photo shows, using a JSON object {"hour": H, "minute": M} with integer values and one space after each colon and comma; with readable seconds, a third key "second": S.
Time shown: {"hour": 11, "minute": 50}
